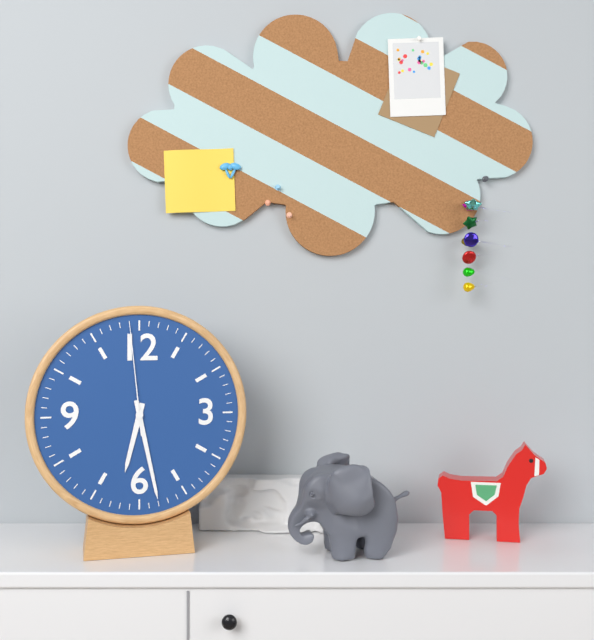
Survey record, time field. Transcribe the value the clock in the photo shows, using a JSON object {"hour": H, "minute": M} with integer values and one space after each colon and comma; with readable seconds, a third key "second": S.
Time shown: {"hour": 6, "minute": 28, "second": 59}
